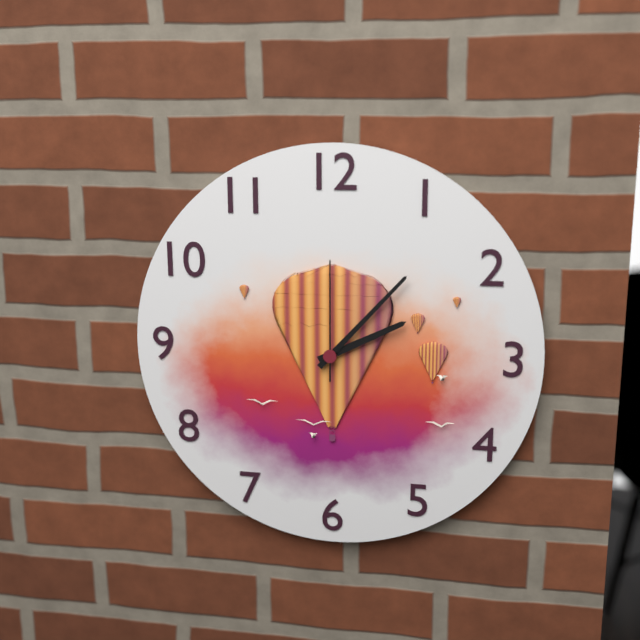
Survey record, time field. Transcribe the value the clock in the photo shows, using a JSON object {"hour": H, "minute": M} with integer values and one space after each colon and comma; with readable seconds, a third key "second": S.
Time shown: {"hour": 2, "minute": 7, "second": 0}
